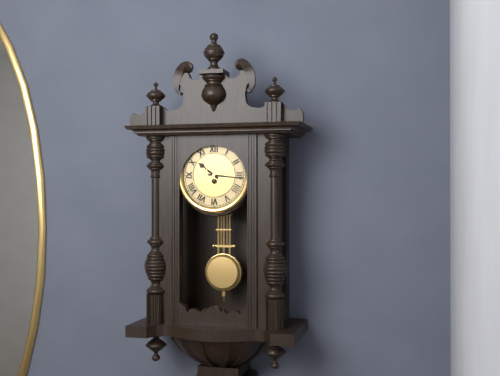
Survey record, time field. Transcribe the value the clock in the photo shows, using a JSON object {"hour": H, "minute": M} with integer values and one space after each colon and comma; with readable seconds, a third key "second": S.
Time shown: {"hour": 10, "minute": 16}
